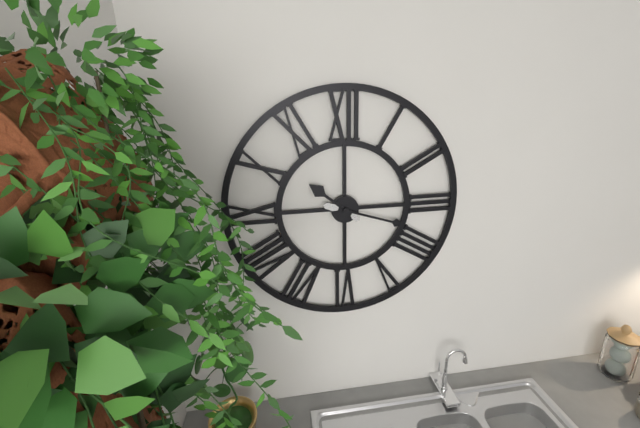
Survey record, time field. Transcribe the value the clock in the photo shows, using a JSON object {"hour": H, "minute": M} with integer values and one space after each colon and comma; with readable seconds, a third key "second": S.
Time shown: {"hour": 10, "minute": 18}
